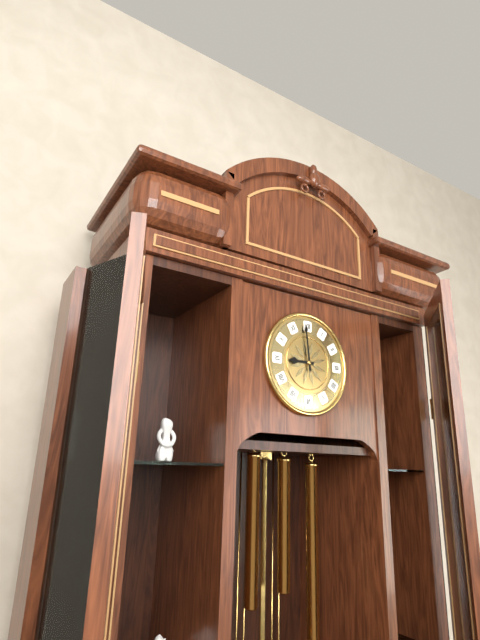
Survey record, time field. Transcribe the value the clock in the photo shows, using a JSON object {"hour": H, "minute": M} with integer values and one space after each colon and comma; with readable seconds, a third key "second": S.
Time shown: {"hour": 8, "minute": 59}
